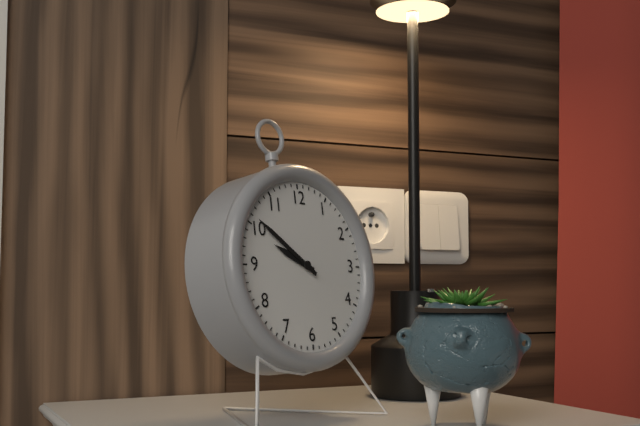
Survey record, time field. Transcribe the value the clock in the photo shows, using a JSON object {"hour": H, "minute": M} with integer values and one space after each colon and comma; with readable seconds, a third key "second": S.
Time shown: {"hour": 9, "minute": 51}
